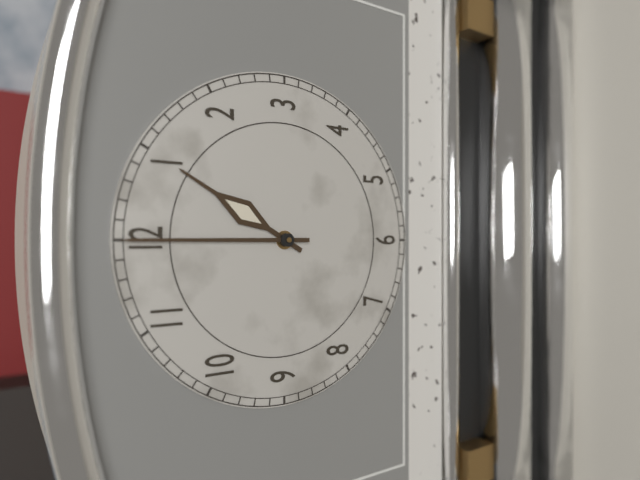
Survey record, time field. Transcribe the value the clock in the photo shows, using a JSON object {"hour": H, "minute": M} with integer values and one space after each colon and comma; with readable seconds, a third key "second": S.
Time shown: {"hour": 1, "minute": 0}
